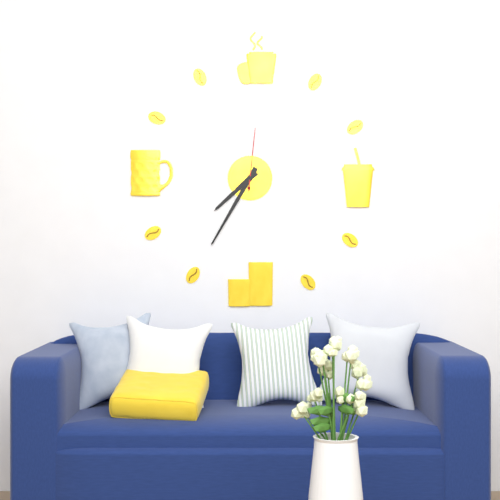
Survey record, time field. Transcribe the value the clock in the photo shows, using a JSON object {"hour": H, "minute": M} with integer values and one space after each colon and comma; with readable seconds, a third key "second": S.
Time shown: {"hour": 7, "minute": 35, "second": 1}
